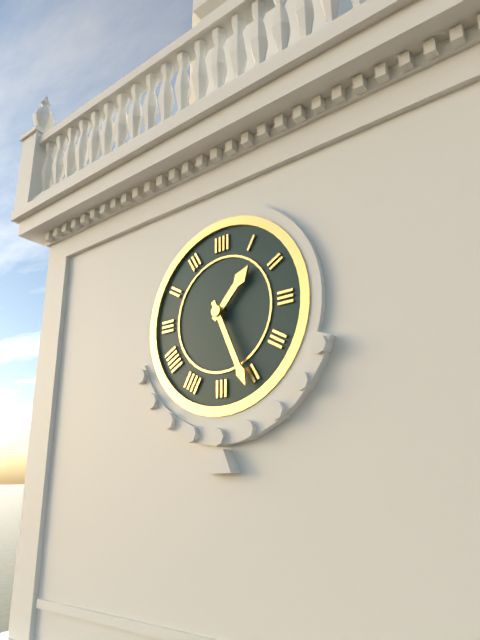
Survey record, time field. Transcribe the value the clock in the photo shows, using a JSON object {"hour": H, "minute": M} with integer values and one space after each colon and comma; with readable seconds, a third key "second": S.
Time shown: {"hour": 1, "minute": 26}
